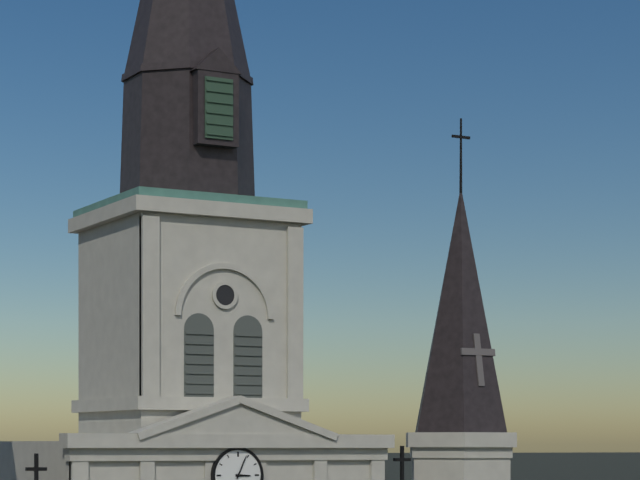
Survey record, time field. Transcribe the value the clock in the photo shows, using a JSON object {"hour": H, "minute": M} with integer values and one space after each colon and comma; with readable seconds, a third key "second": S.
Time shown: {"hour": 3, "minute": 4}
